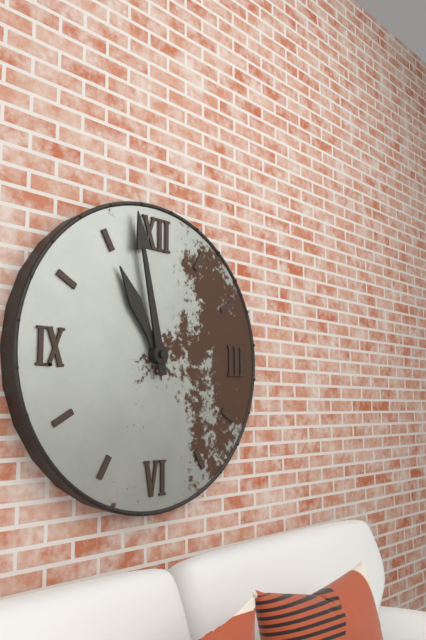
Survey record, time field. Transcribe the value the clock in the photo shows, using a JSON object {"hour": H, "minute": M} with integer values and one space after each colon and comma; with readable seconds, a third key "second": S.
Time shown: {"hour": 10, "minute": 58}
